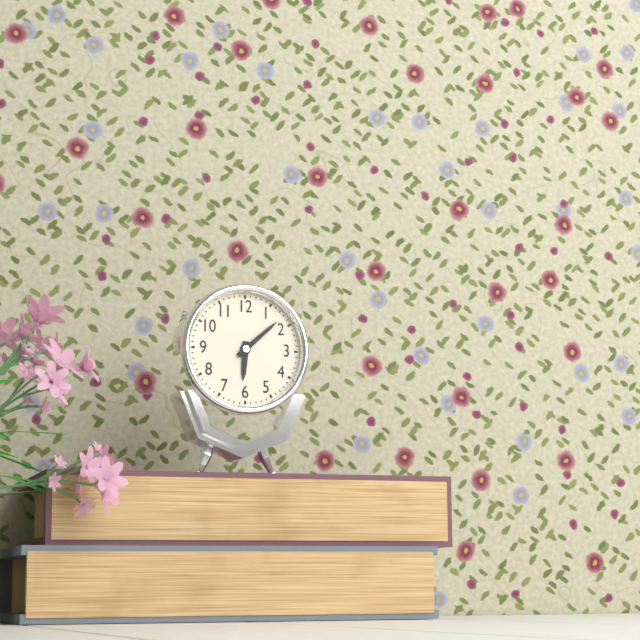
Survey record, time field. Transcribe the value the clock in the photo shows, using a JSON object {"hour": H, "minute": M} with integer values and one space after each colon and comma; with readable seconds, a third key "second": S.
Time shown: {"hour": 6, "minute": 8}
